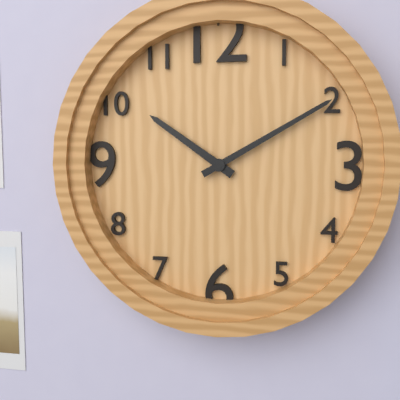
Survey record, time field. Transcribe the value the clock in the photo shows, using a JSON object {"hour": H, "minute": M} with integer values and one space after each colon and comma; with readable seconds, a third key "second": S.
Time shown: {"hour": 10, "minute": 10}
